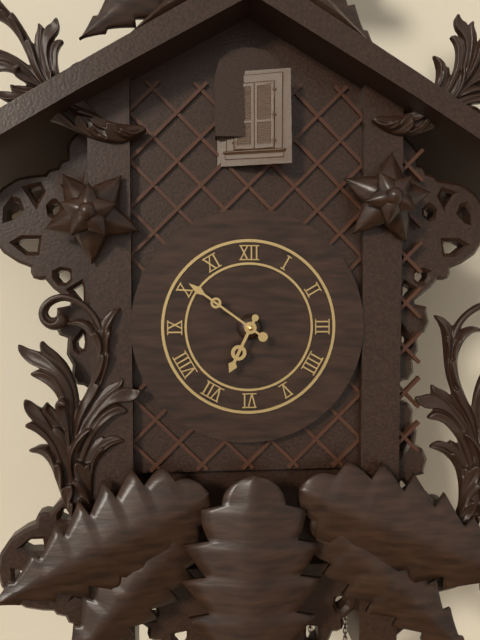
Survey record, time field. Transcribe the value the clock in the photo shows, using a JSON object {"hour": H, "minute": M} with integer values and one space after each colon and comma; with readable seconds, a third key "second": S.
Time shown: {"hour": 6, "minute": 51}
